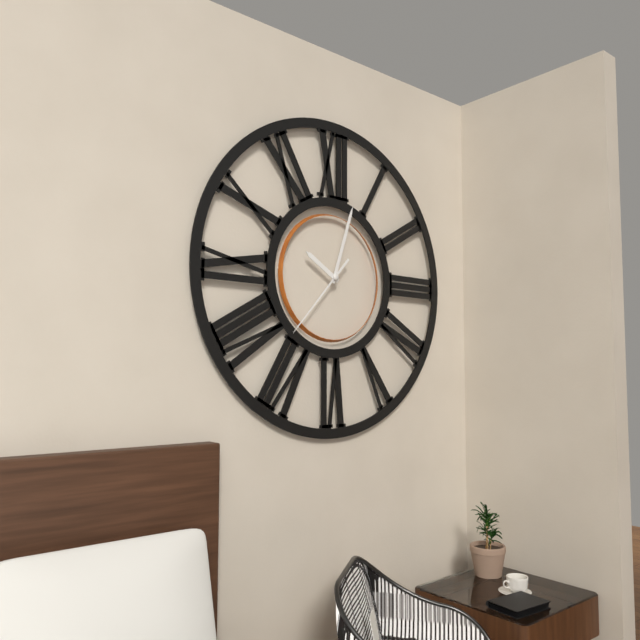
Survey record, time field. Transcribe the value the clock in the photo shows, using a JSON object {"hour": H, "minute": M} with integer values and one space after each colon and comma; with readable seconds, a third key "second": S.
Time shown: {"hour": 10, "minute": 3, "second": 37}
